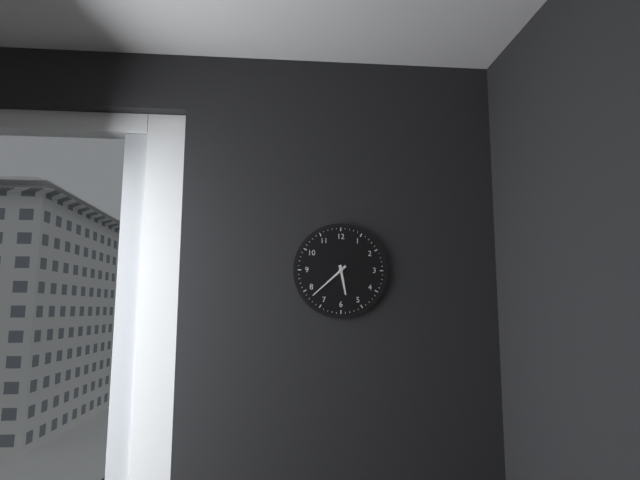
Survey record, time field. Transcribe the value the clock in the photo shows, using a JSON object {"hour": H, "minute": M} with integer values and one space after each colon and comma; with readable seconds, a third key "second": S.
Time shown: {"hour": 5, "minute": 38}
